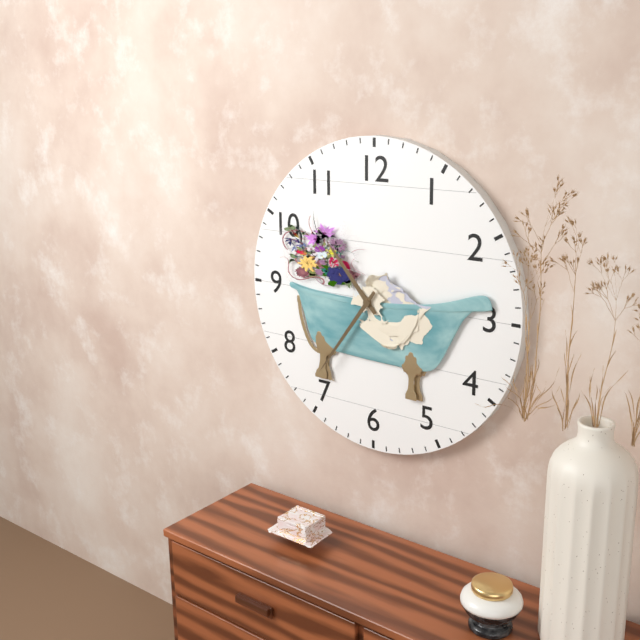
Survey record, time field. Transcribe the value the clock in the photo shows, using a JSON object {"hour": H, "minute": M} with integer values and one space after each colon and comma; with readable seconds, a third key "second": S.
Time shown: {"hour": 10, "minute": 36}
